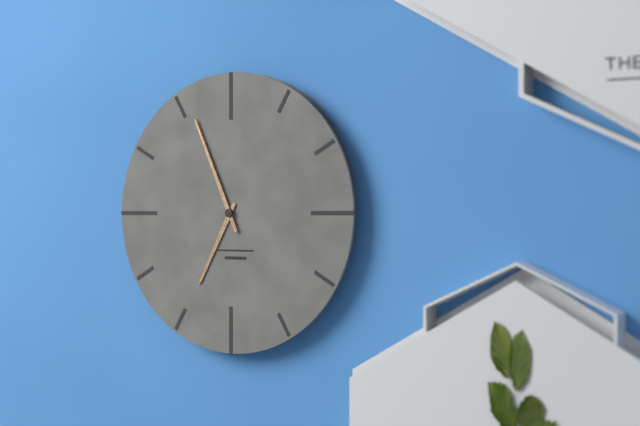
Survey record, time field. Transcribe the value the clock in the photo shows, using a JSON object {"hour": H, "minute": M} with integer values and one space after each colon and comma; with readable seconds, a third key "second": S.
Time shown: {"hour": 6, "minute": 56}
